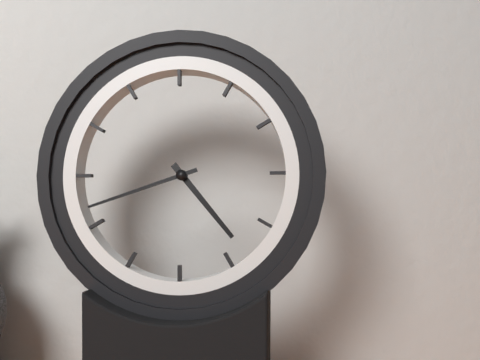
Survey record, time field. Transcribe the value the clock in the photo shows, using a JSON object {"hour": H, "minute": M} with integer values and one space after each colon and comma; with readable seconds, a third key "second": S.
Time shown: {"hour": 4, "minute": 42}
